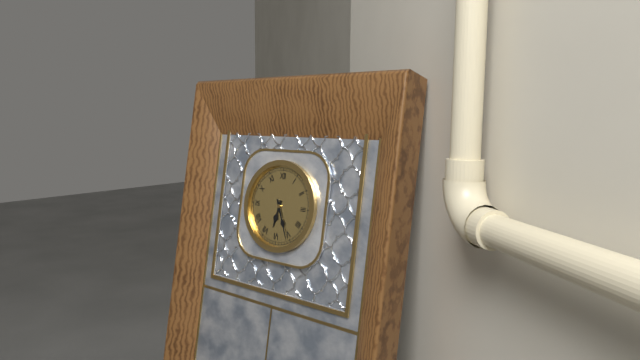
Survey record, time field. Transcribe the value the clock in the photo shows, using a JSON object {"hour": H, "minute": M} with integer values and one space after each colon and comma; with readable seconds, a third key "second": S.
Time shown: {"hour": 6, "minute": 26}
